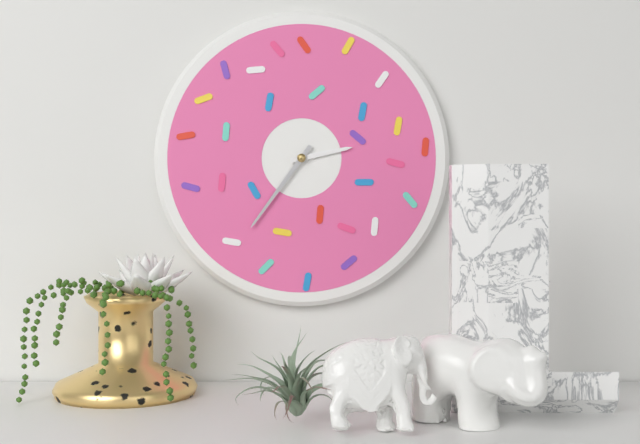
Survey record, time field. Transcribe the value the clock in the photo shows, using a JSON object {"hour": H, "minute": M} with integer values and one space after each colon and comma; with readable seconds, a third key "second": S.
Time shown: {"hour": 2, "minute": 36}
